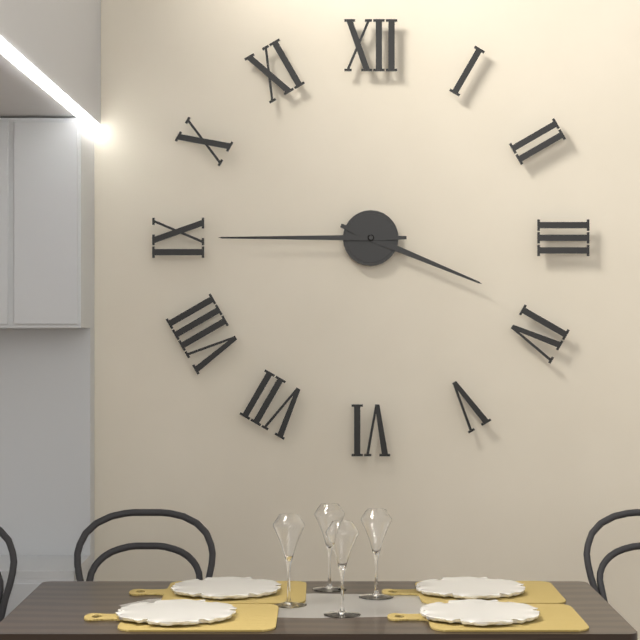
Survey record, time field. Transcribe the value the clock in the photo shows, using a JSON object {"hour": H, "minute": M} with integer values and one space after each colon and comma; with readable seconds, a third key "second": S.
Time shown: {"hour": 3, "minute": 45}
